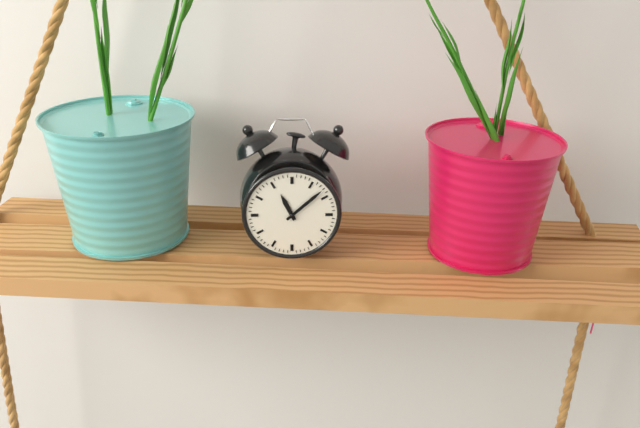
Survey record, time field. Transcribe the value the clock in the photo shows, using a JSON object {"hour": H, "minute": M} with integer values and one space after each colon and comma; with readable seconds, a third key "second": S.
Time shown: {"hour": 11, "minute": 8}
